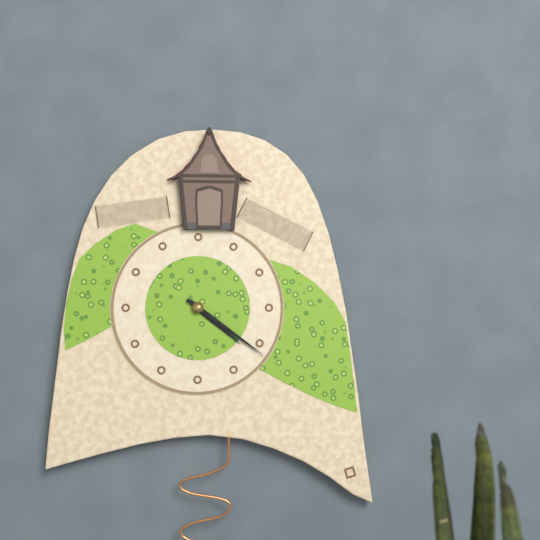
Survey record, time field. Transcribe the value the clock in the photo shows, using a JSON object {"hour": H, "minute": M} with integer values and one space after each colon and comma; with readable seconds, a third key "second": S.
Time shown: {"hour": 4, "minute": 21}
